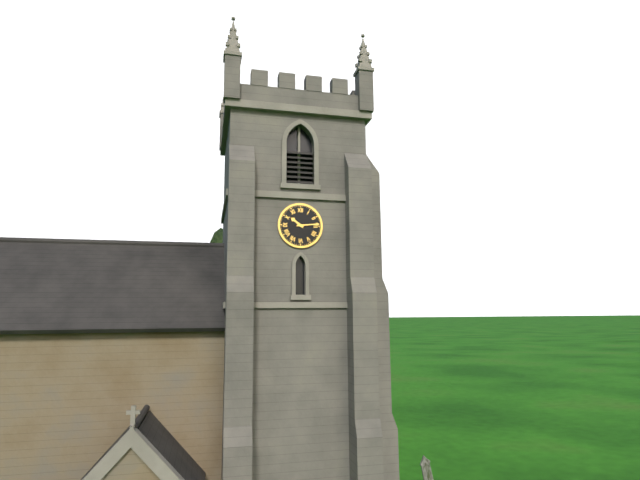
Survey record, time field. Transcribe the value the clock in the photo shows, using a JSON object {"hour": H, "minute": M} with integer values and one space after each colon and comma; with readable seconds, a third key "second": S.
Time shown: {"hour": 10, "minute": 14}
